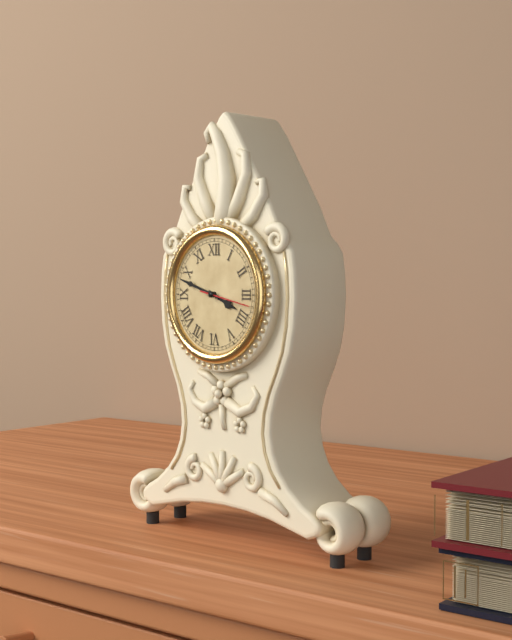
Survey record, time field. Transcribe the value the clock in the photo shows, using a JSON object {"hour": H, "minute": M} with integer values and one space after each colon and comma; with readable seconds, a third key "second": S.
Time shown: {"hour": 3, "minute": 48, "second": 17}
